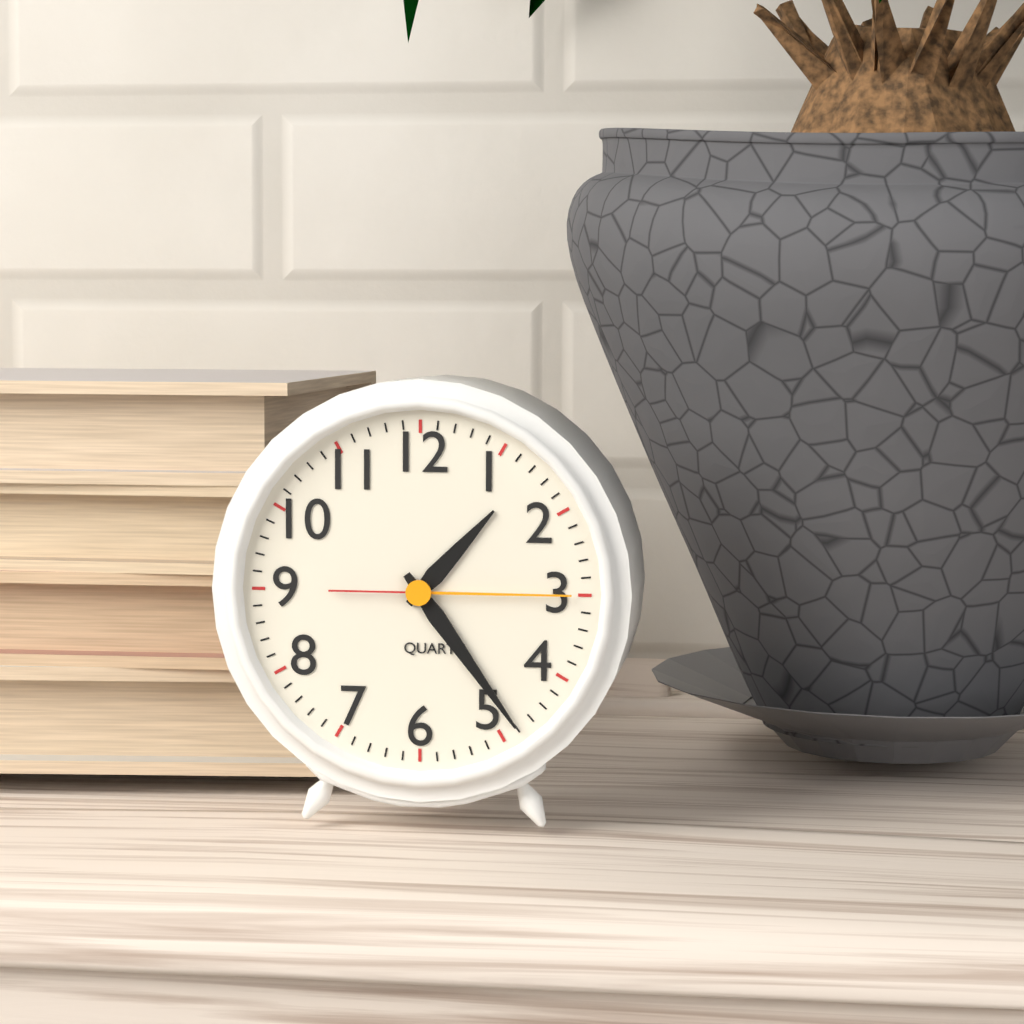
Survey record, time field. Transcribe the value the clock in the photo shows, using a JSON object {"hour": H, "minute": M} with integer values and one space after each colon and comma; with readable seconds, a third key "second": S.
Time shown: {"hour": 1, "minute": 24, "second": 15}
